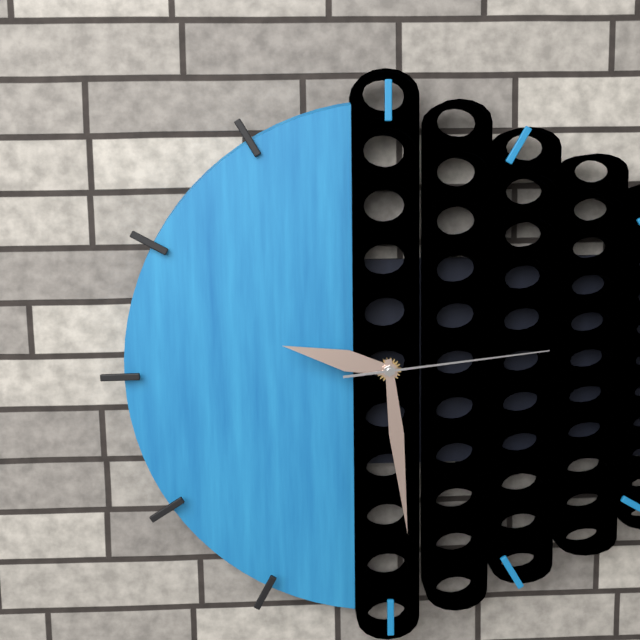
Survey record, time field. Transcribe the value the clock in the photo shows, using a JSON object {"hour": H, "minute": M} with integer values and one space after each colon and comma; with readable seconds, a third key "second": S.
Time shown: {"hour": 9, "minute": 29, "second": 14}
